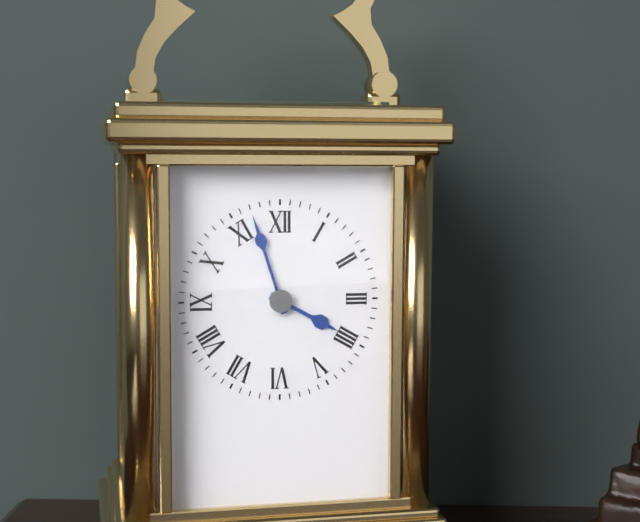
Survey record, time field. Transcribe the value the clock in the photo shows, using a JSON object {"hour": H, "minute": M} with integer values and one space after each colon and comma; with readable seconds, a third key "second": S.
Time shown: {"hour": 3, "minute": 57}
